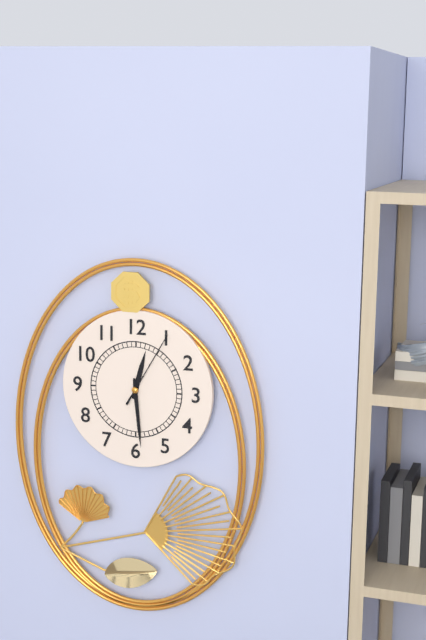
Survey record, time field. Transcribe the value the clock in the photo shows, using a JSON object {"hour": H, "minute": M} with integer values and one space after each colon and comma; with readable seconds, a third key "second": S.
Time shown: {"hour": 12, "minute": 29, "second": 5}
